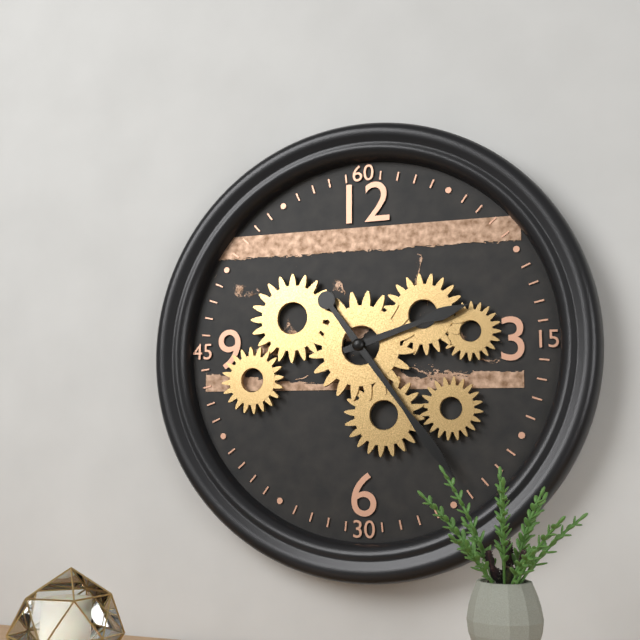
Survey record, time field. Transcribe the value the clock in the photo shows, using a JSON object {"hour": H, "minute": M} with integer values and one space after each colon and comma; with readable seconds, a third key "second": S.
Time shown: {"hour": 2, "minute": 24}
